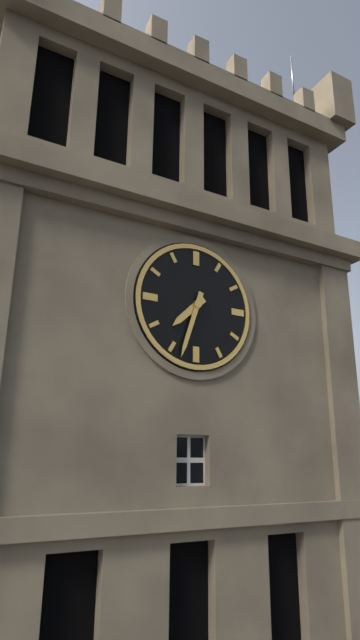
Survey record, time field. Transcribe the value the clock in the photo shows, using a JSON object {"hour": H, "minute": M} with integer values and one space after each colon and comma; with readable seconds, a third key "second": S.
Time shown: {"hour": 7, "minute": 33}
